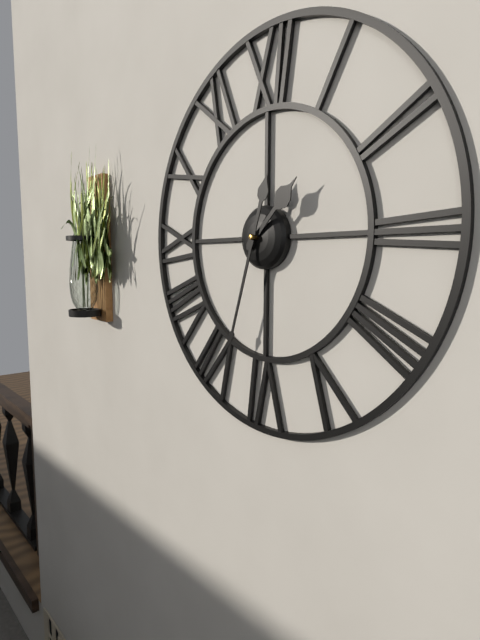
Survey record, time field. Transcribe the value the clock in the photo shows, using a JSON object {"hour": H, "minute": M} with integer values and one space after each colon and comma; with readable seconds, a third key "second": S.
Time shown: {"hour": 1, "minute": 33}
